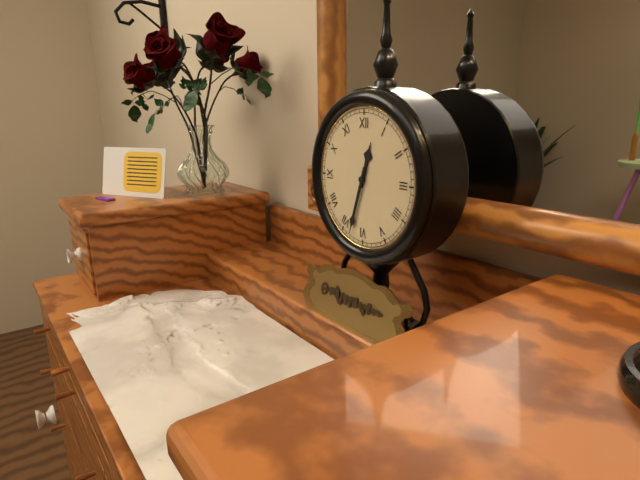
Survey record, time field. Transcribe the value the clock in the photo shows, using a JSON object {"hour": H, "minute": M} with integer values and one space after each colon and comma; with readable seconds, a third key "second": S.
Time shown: {"hour": 12, "minute": 33}
